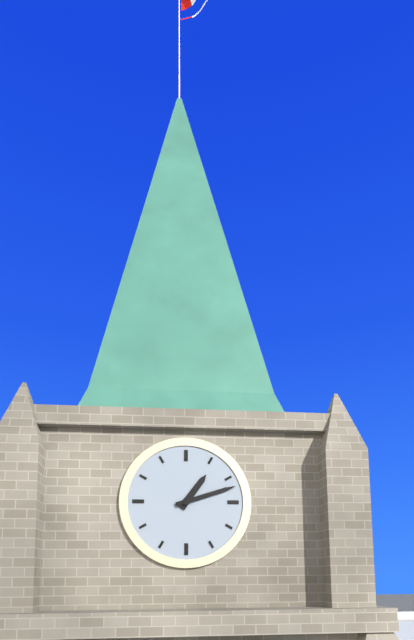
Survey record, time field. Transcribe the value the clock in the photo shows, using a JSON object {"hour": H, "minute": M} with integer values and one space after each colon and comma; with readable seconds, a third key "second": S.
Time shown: {"hour": 1, "minute": 12}
